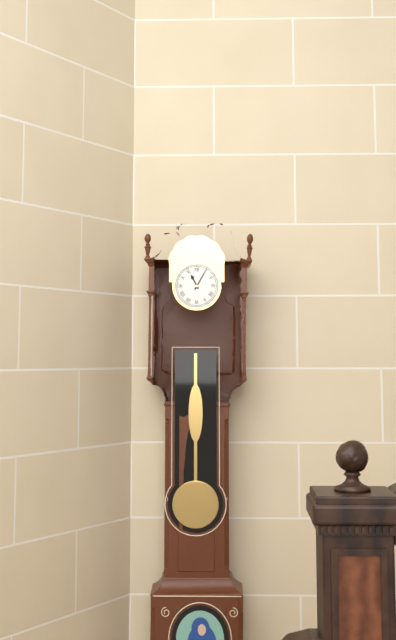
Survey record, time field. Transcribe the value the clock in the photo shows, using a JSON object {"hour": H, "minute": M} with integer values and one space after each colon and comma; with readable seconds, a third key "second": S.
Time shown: {"hour": 11, "minute": 5}
